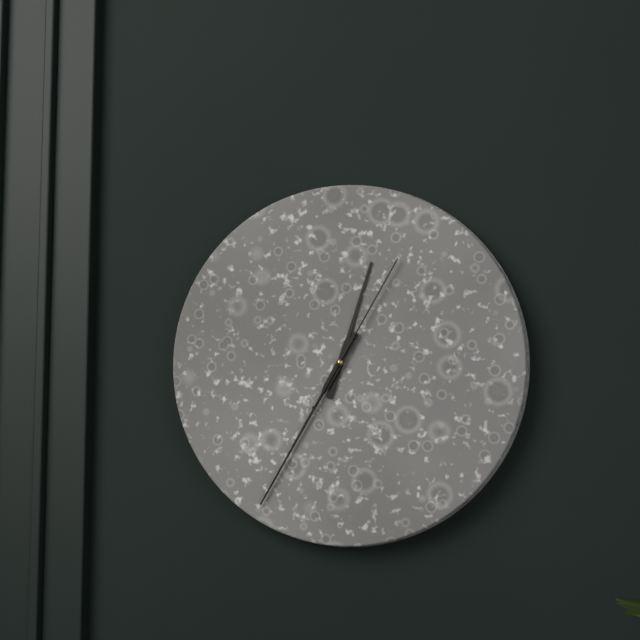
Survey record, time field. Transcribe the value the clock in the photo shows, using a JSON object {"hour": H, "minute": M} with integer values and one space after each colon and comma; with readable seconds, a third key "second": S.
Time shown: {"hour": 12, "minute": 35, "second": 5}
